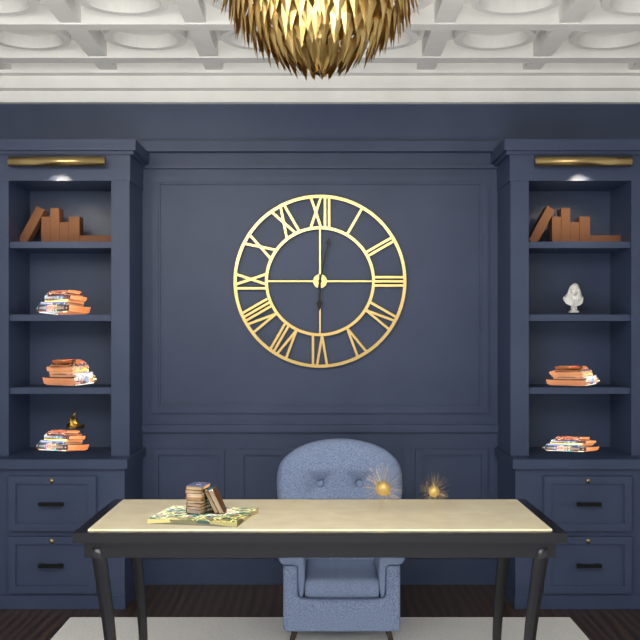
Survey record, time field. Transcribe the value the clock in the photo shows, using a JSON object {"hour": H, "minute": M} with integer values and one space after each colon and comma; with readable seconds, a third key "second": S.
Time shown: {"hour": 6, "minute": 2}
